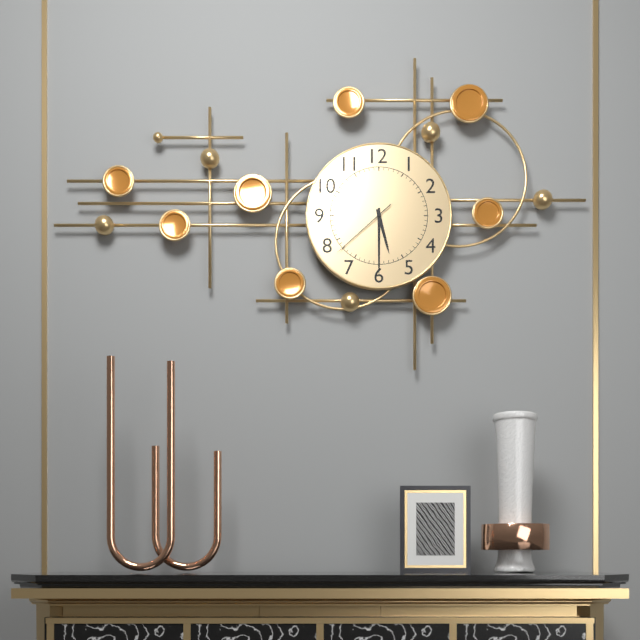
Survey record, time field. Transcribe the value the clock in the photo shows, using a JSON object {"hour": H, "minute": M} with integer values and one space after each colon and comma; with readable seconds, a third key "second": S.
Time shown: {"hour": 5, "minute": 30, "second": 38}
